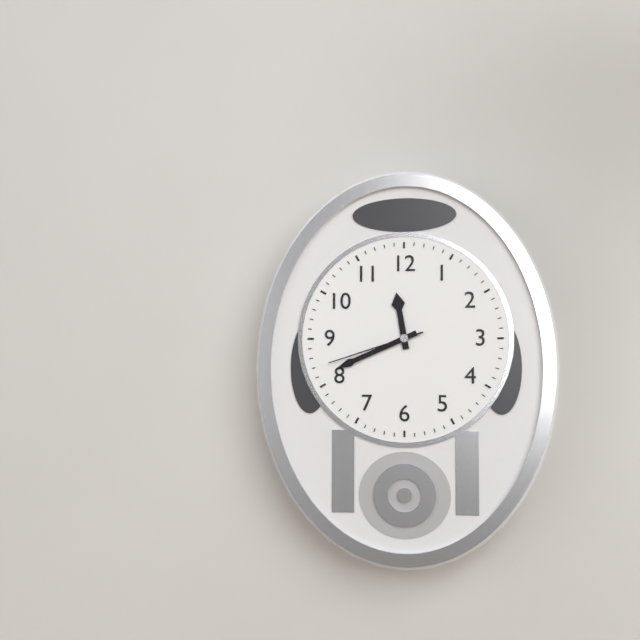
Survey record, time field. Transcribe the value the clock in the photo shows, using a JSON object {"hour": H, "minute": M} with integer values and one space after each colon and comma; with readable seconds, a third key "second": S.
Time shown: {"hour": 11, "minute": 41, "second": 42}
